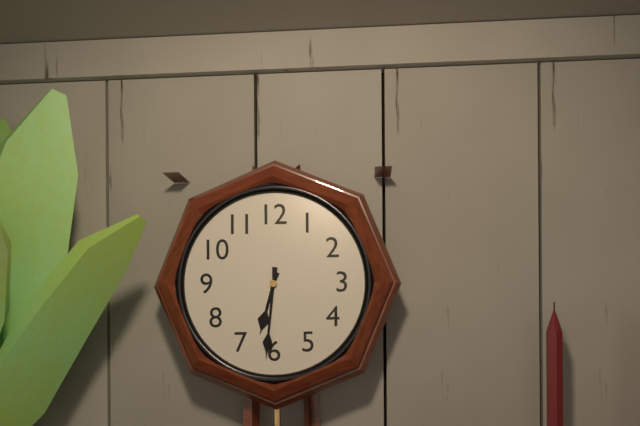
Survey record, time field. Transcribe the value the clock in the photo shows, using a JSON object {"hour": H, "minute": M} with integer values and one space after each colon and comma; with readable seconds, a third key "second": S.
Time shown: {"hour": 6, "minute": 31}
